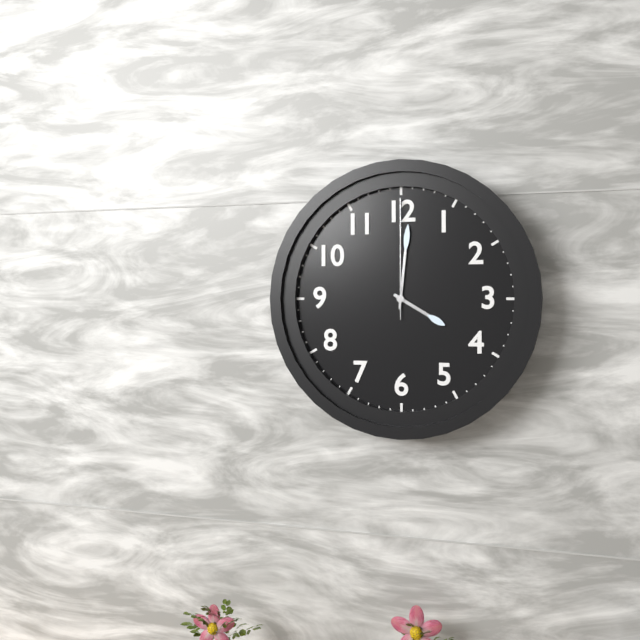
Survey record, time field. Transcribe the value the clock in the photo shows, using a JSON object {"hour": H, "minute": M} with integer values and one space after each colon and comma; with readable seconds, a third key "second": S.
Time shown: {"hour": 4, "minute": 1, "second": 0}
